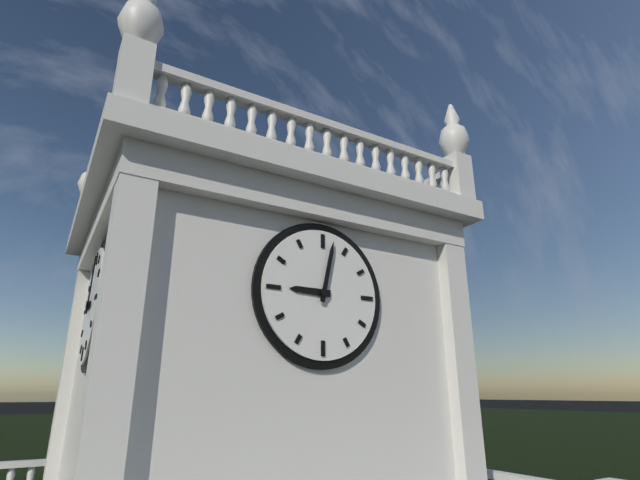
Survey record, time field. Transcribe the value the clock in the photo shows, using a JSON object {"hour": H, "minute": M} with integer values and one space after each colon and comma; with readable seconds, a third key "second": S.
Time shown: {"hour": 9, "minute": 2}
